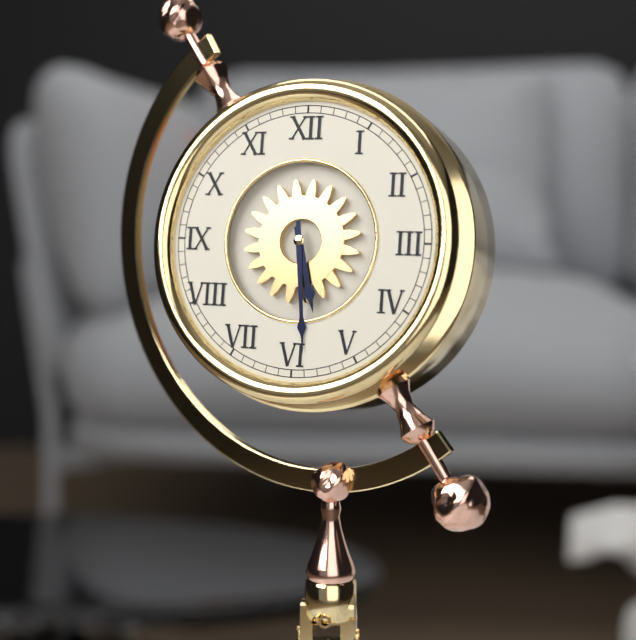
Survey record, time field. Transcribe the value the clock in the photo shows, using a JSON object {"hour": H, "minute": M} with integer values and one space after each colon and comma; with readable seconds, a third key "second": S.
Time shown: {"hour": 5, "minute": 29}
